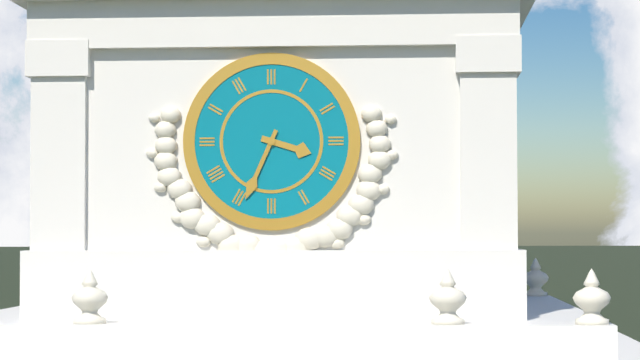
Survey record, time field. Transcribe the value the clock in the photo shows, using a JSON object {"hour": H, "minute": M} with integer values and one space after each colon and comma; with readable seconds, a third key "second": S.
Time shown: {"hour": 3, "minute": 34}
